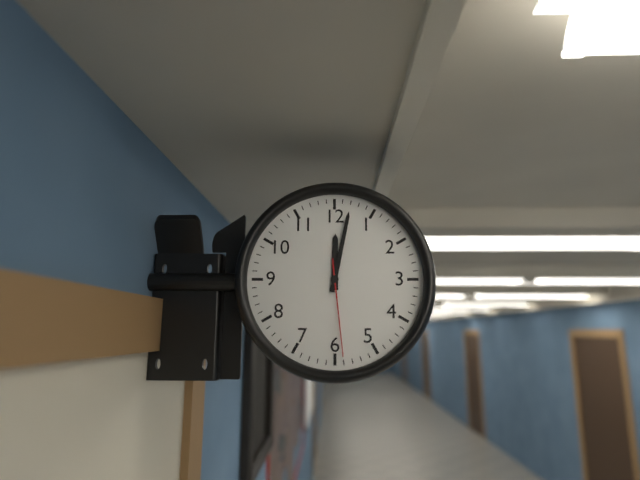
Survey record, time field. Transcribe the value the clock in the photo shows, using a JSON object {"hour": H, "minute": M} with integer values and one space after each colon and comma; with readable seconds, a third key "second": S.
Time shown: {"hour": 12, "minute": 2, "second": 29}
